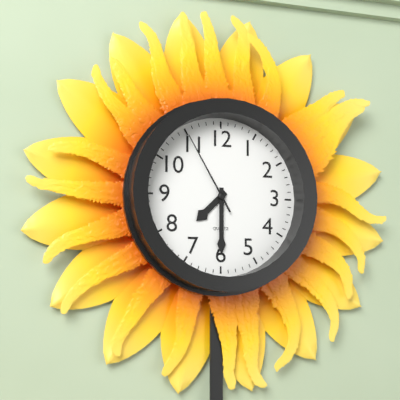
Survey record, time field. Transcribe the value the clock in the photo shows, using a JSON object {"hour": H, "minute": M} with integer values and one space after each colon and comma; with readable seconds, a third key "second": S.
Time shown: {"hour": 7, "minute": 30, "second": 55}
